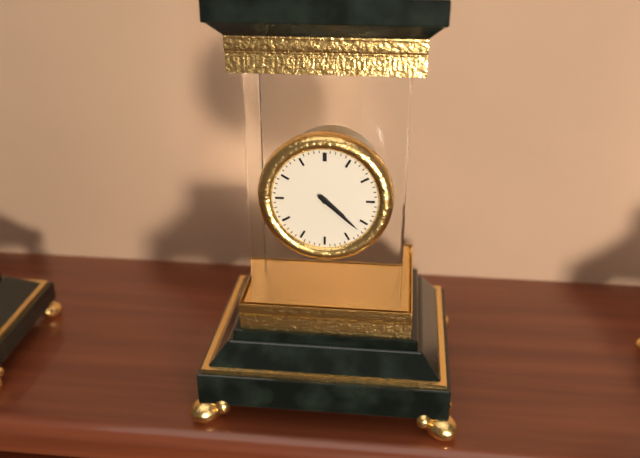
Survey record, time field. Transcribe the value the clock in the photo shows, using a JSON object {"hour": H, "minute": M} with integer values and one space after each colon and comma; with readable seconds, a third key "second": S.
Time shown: {"hour": 4, "minute": 22}
